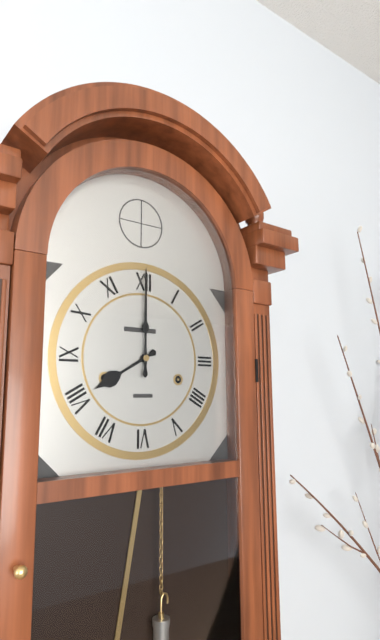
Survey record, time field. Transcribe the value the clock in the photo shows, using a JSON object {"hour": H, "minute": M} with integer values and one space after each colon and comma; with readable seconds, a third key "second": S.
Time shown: {"hour": 8, "minute": 0}
